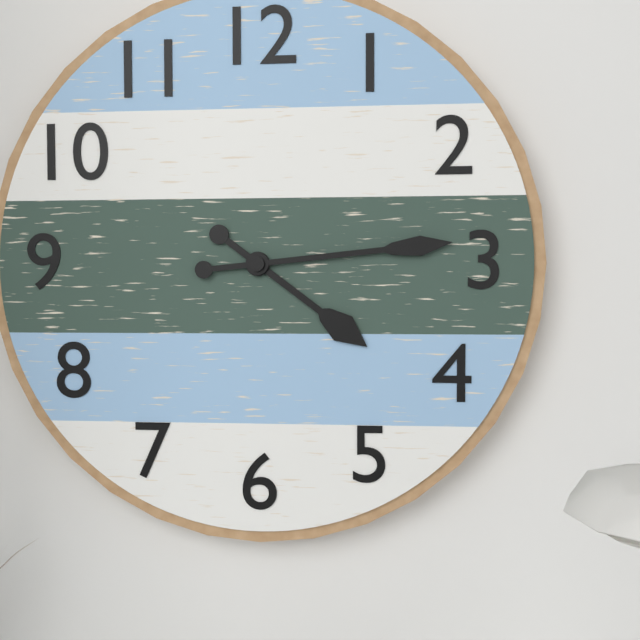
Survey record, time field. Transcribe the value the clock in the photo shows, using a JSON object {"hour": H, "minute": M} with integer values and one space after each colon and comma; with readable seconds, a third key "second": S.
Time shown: {"hour": 4, "minute": 14}
